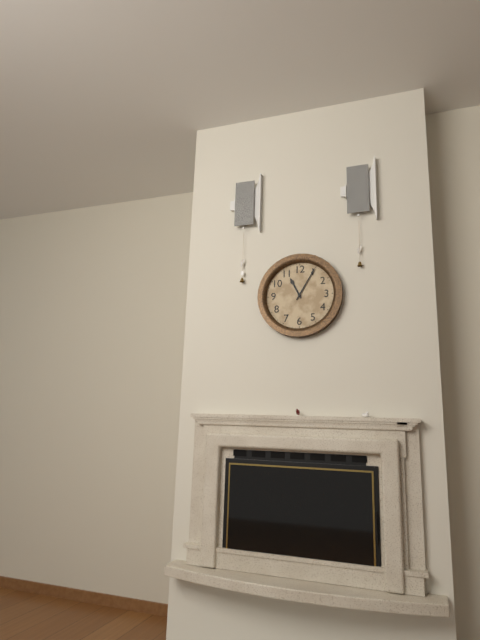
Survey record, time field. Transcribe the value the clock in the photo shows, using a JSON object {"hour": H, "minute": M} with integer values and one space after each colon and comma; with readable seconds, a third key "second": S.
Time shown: {"hour": 11, "minute": 5}
